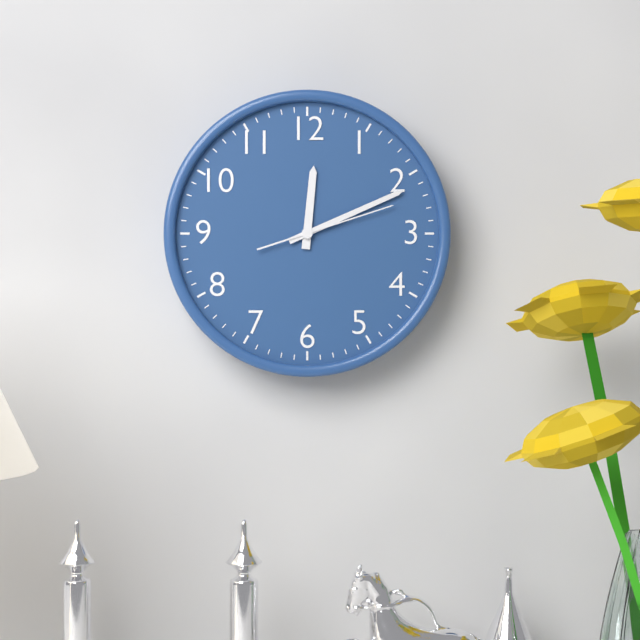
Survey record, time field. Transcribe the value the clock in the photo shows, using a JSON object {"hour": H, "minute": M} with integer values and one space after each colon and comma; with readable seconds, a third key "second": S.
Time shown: {"hour": 12, "minute": 11, "second": 12}
